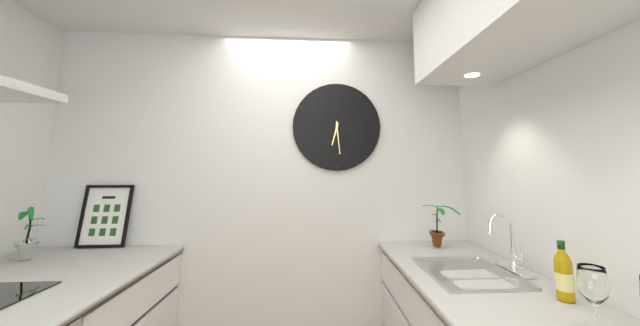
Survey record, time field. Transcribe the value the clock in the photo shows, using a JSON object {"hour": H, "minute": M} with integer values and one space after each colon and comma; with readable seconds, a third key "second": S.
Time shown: {"hour": 6, "minute": 29}
